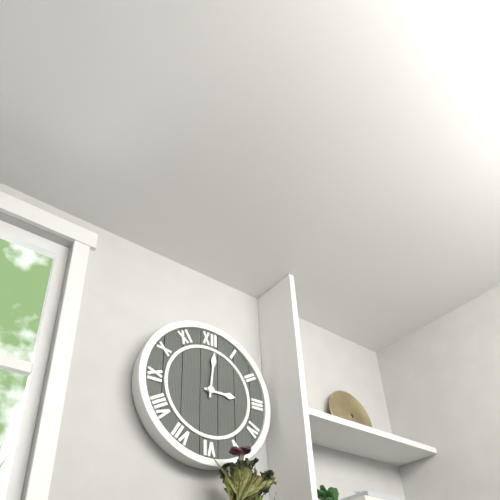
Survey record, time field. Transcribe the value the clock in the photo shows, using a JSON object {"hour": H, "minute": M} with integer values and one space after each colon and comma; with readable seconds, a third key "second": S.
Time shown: {"hour": 3, "minute": 1}
